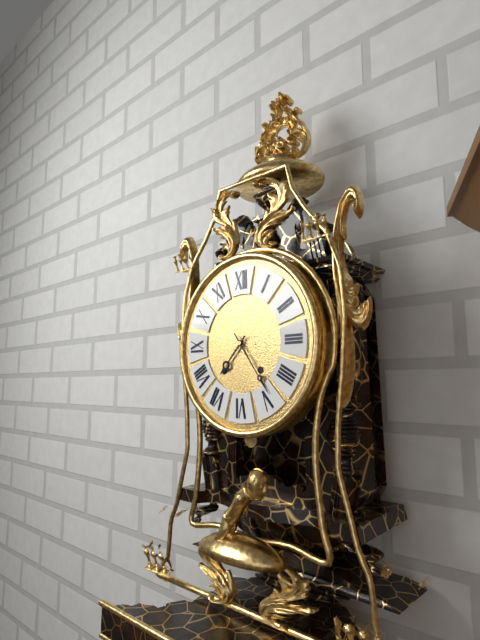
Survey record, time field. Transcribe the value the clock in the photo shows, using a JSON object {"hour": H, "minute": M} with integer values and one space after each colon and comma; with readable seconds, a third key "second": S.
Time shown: {"hour": 7, "minute": 24}
